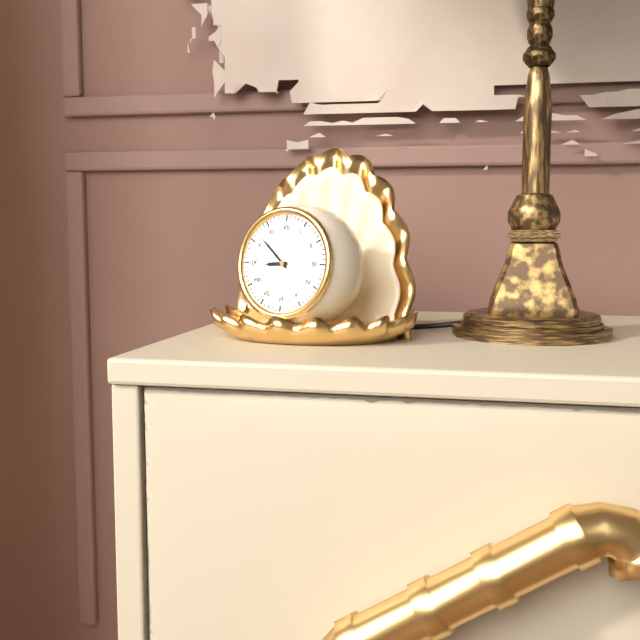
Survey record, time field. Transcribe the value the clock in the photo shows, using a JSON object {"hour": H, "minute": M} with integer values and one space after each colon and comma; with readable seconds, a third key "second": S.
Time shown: {"hour": 8, "minute": 52}
